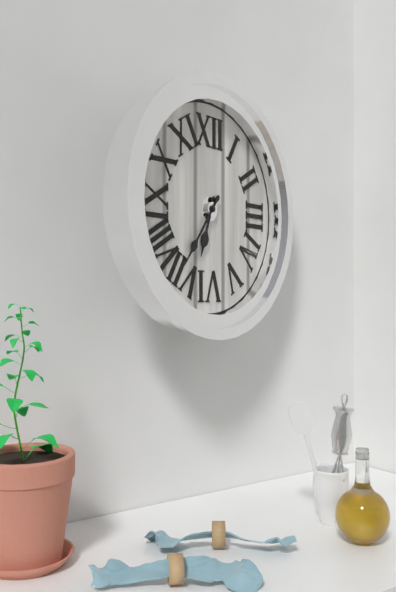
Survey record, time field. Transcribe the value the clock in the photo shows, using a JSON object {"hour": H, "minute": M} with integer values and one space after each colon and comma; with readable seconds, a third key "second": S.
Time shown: {"hour": 6, "minute": 36}
